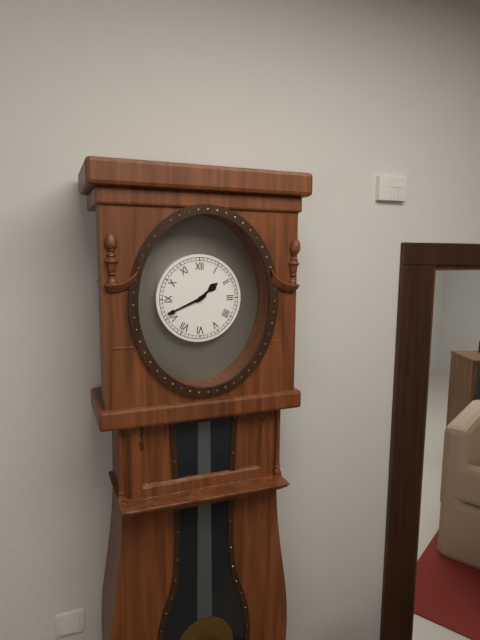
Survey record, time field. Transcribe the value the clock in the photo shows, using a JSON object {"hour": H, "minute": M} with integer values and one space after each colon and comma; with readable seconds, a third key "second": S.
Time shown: {"hour": 1, "minute": 41}
